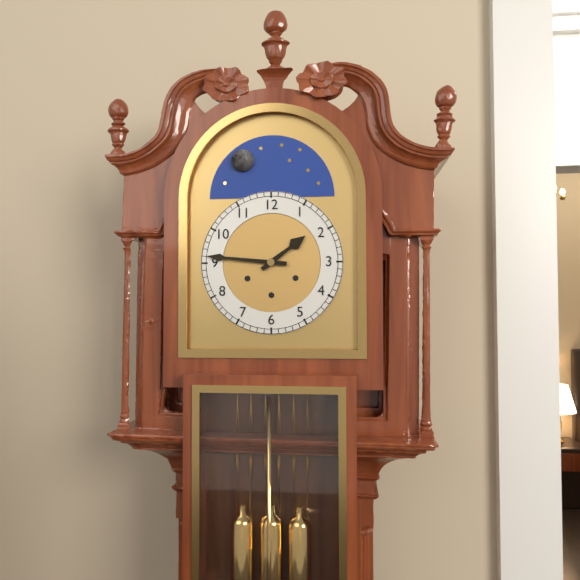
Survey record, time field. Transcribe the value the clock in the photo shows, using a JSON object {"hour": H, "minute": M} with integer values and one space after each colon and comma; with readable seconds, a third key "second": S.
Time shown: {"hour": 1, "minute": 46}
